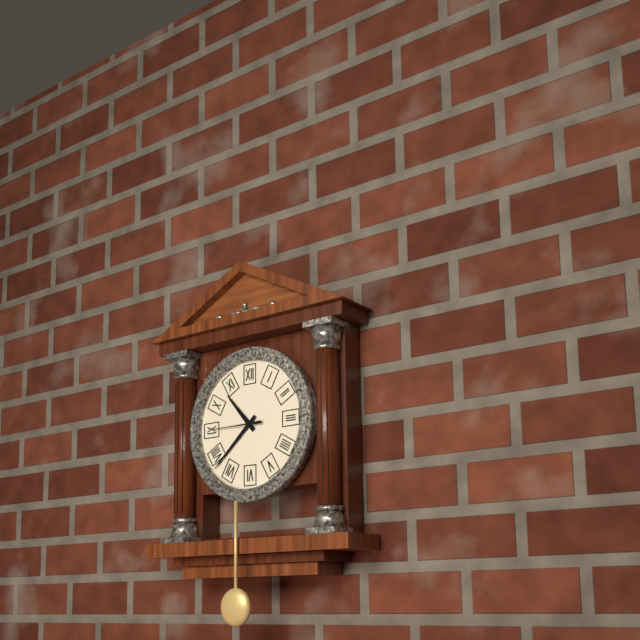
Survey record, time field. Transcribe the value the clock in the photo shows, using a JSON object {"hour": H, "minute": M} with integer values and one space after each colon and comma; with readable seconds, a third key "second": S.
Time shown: {"hour": 10, "minute": 38}
